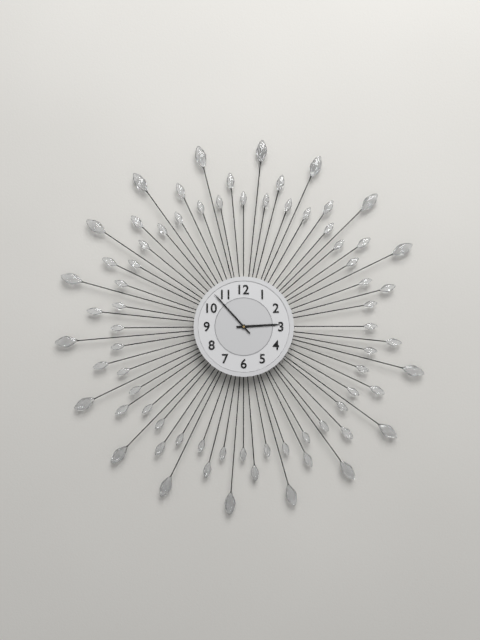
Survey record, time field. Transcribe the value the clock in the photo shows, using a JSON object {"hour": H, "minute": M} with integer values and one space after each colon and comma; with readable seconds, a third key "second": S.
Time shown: {"hour": 2, "minute": 53}
